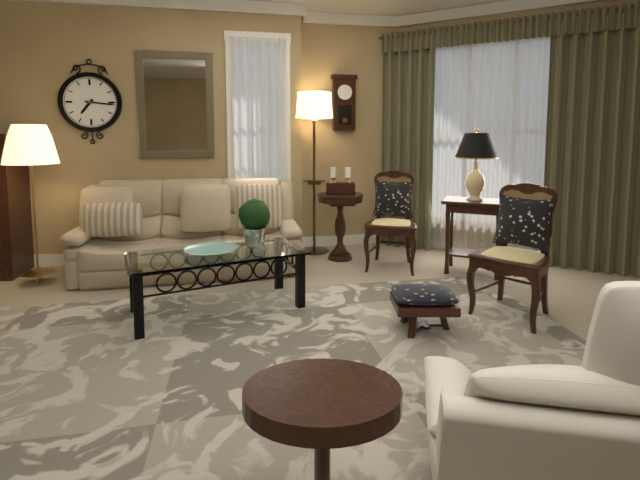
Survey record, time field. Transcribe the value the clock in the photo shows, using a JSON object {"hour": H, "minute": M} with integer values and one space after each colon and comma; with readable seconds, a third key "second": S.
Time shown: {"hour": 7, "minute": 16}
